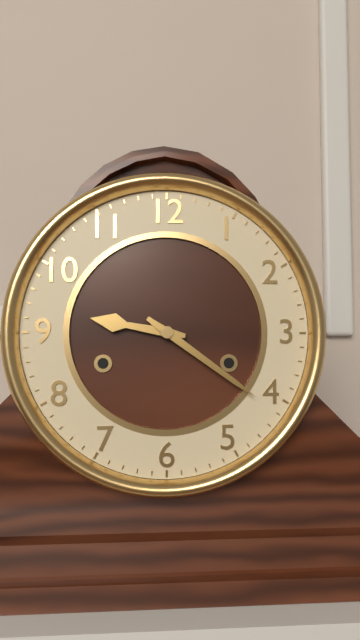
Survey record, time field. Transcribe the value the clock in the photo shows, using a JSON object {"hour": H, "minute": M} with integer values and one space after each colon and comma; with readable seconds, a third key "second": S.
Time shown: {"hour": 9, "minute": 21}
